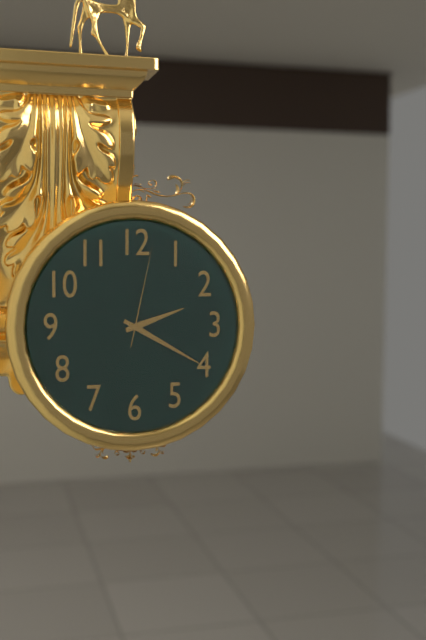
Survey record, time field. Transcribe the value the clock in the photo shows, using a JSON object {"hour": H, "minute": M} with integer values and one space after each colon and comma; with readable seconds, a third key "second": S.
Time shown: {"hour": 2, "minute": 20, "second": 2}
